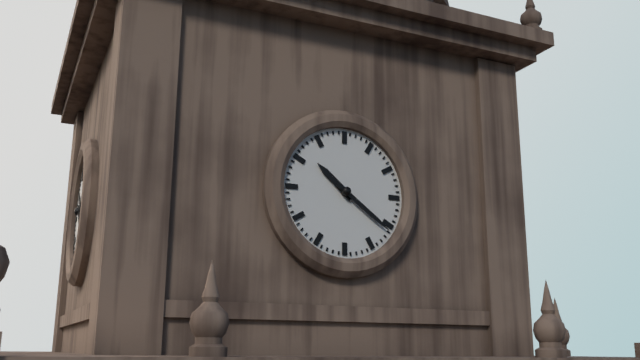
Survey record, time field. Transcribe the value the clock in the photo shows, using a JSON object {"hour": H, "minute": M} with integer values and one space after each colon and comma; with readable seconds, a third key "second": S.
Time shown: {"hour": 10, "minute": 21}
